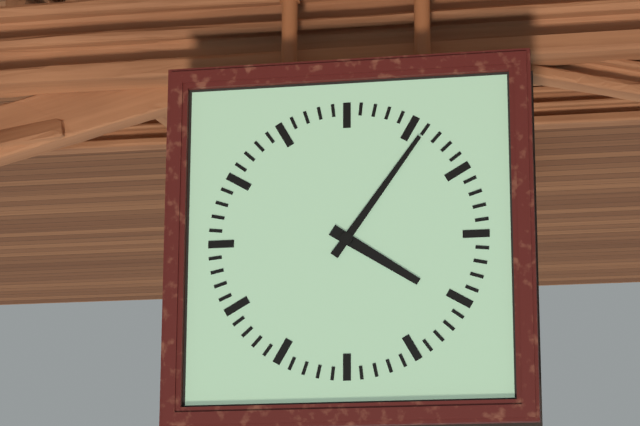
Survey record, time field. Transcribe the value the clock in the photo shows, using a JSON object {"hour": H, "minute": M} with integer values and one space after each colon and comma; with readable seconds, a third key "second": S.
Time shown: {"hour": 4, "minute": 6}
